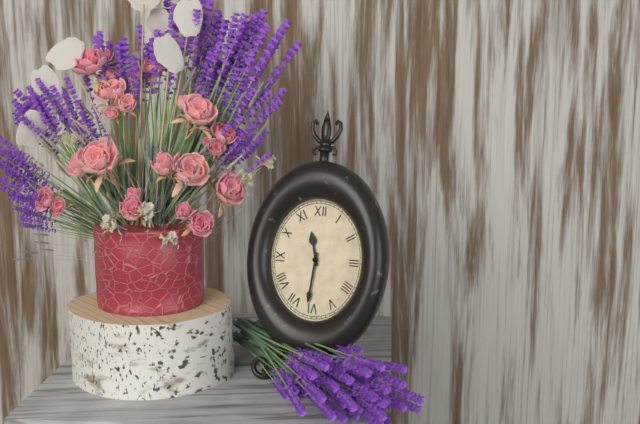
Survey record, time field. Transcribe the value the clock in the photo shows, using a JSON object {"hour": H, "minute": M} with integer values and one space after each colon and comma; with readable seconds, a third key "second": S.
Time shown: {"hour": 11, "minute": 31}
